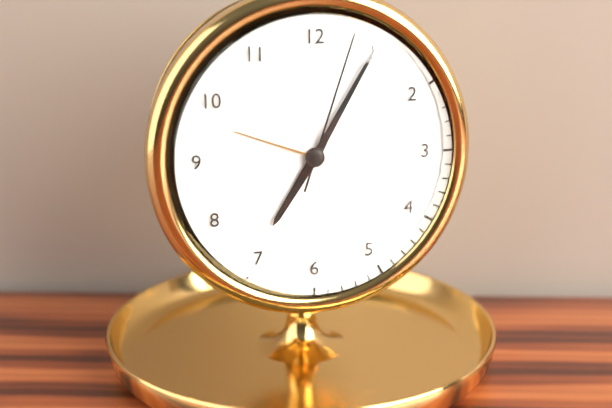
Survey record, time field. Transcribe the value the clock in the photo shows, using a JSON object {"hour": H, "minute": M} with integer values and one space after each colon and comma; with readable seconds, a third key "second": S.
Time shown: {"hour": 7, "minute": 5, "second": 3}
